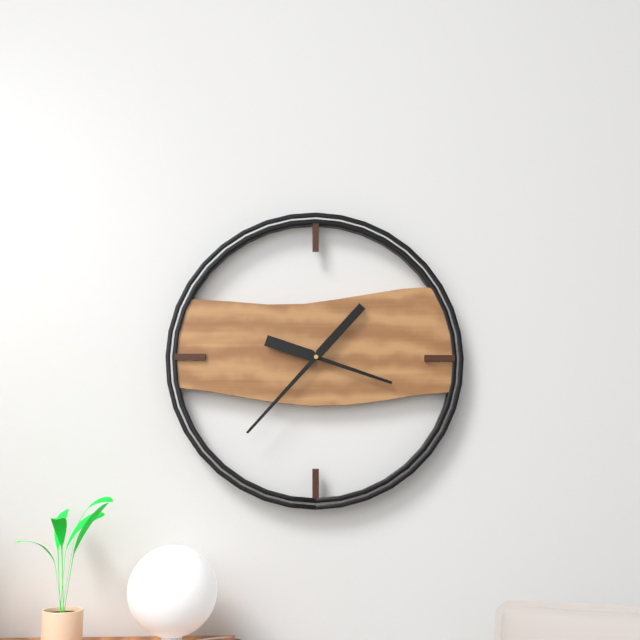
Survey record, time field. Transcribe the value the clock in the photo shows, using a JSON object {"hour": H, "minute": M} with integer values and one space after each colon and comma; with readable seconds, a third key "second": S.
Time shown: {"hour": 3, "minute": 37}
